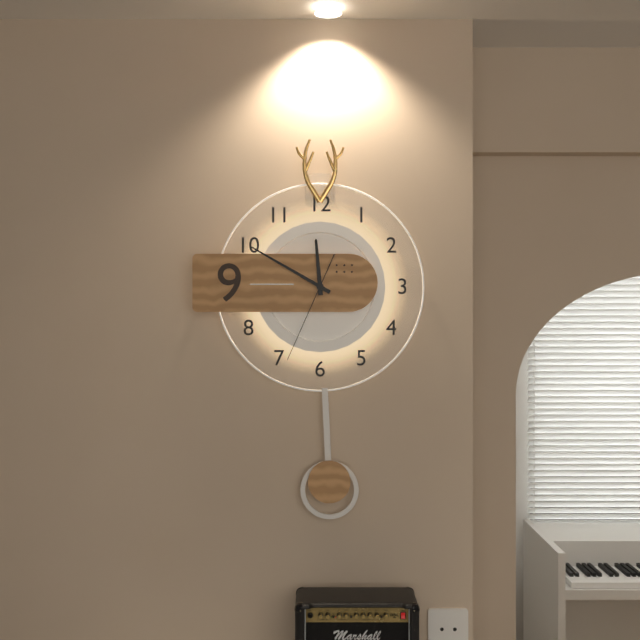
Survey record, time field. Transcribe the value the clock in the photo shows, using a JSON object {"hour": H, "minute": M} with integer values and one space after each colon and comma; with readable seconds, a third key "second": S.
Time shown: {"hour": 11, "minute": 50, "second": 34}
